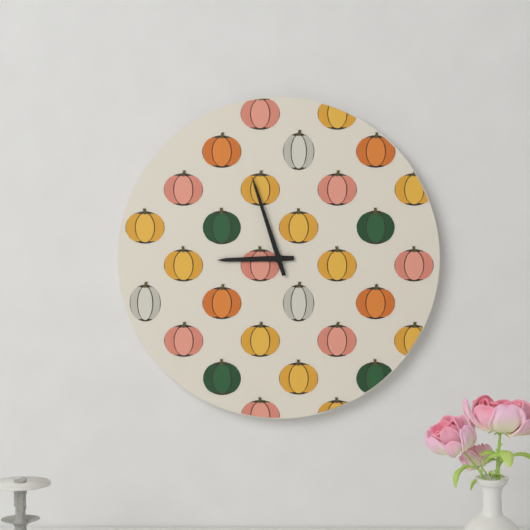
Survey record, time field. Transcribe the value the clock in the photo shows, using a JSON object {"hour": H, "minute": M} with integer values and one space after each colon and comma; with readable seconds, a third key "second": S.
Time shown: {"hour": 8, "minute": 57}
